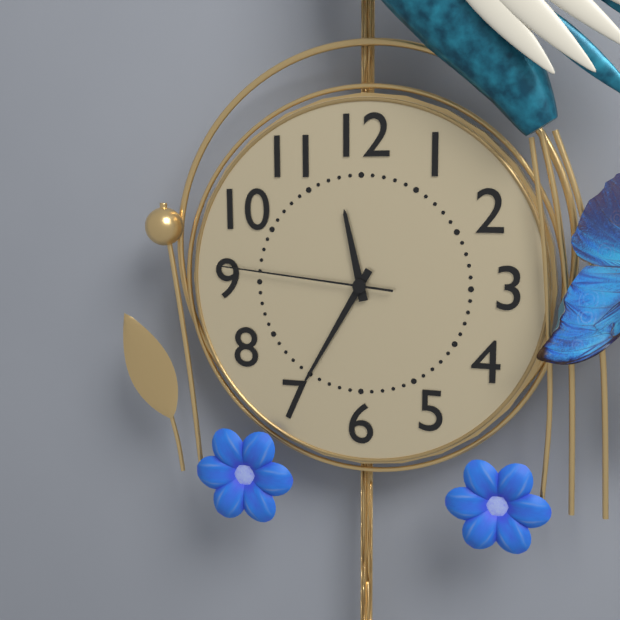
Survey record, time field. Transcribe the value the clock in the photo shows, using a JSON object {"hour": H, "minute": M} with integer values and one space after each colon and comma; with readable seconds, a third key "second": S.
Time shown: {"hour": 11, "minute": 35, "second": 46}
